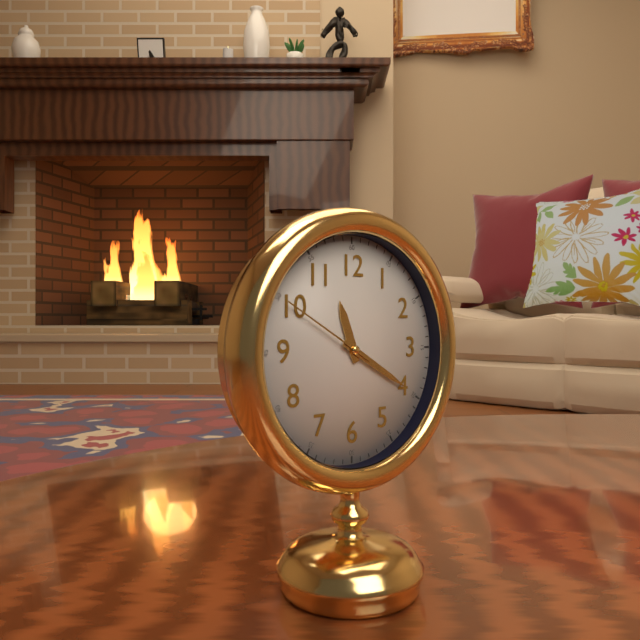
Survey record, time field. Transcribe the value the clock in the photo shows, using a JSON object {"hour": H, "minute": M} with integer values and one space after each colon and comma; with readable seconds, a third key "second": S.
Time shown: {"hour": 11, "minute": 20, "second": 50}
